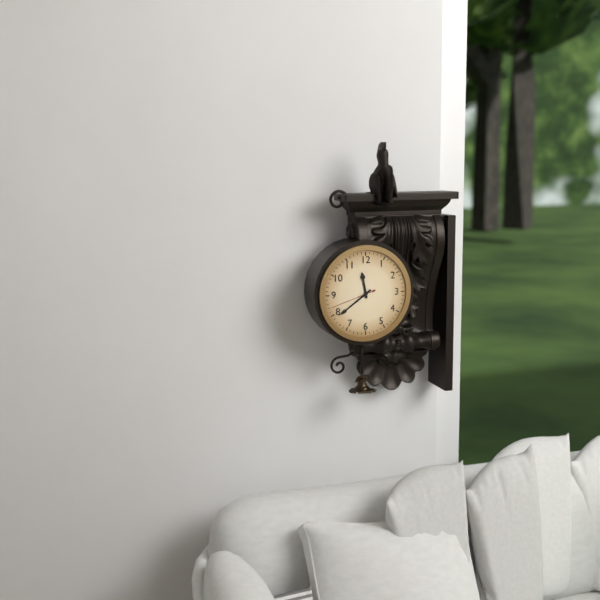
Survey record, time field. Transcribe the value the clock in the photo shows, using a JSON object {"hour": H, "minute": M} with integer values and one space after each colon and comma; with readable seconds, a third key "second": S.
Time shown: {"hour": 11, "minute": 39}
